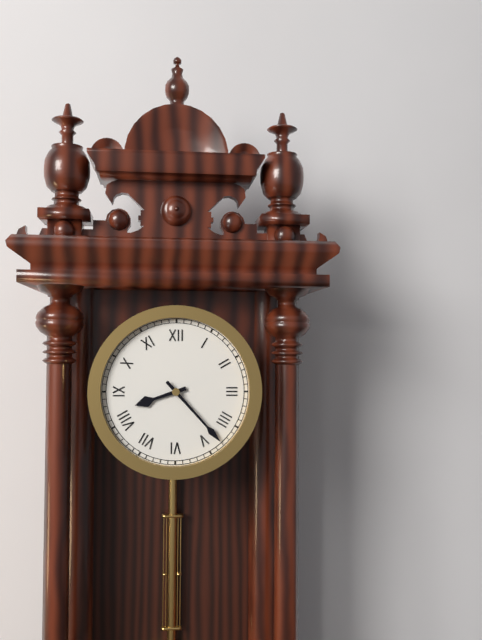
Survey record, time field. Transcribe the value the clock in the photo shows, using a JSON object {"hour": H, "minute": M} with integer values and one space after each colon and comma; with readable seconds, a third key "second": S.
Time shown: {"hour": 8, "minute": 23}
